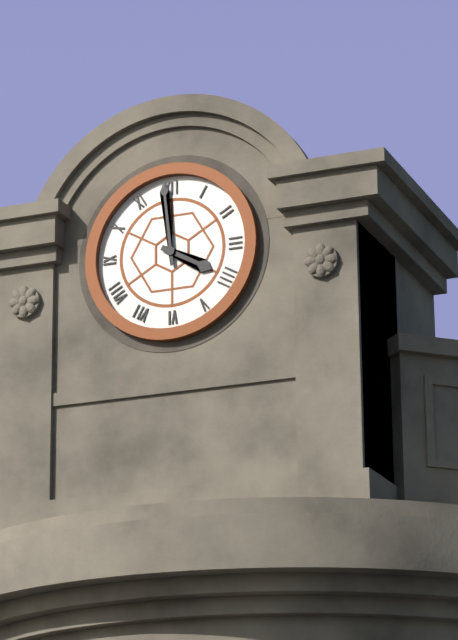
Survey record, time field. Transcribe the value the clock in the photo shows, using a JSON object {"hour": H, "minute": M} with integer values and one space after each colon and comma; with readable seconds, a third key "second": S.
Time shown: {"hour": 3, "minute": 59}
